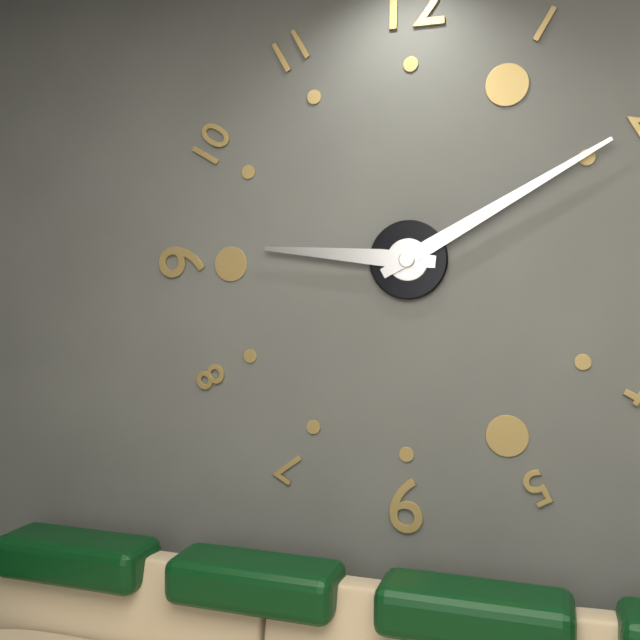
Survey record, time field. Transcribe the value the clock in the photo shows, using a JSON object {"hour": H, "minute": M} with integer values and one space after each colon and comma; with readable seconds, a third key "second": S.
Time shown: {"hour": 9, "minute": 10}
